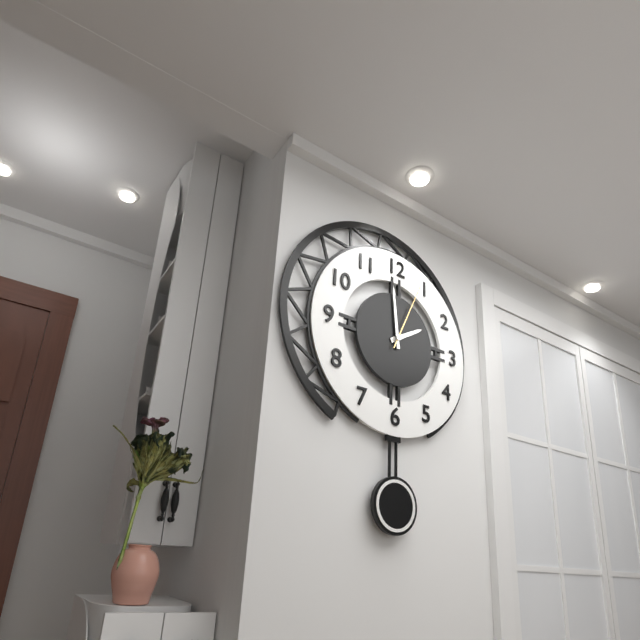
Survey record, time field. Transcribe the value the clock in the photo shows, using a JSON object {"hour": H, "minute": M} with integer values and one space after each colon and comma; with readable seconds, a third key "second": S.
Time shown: {"hour": 1, "minute": 59, "second": 4}
